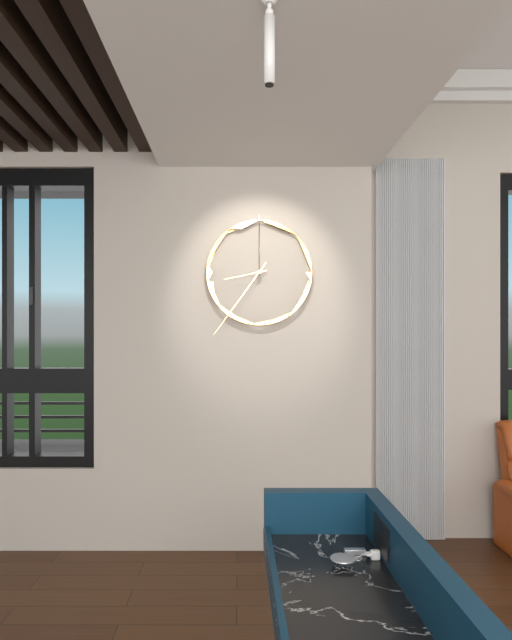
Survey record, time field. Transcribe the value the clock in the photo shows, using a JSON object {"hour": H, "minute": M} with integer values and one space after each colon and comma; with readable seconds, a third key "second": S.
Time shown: {"hour": 8, "minute": 36}
